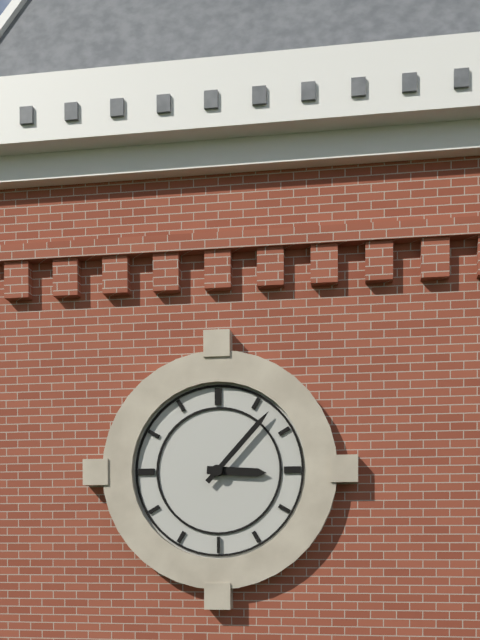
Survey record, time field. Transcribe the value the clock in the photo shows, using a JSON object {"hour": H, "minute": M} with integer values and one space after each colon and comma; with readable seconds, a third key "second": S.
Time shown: {"hour": 3, "minute": 7}
